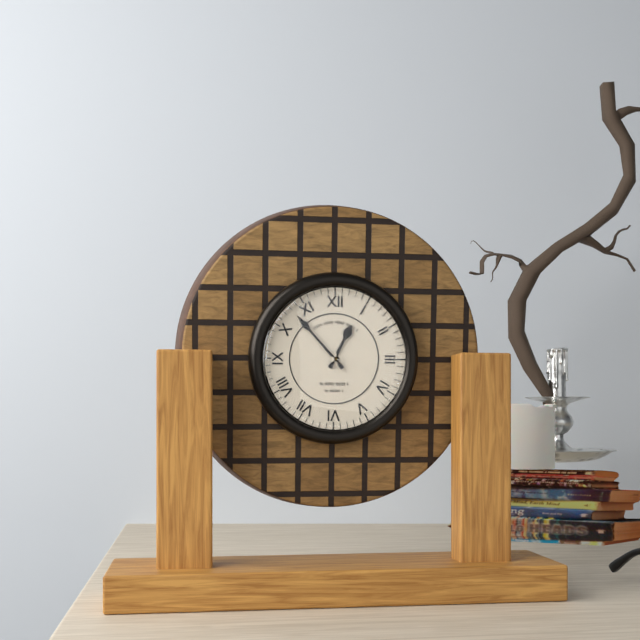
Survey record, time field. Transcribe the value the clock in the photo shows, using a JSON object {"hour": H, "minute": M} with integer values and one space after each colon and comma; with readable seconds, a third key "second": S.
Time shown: {"hour": 12, "minute": 53}
